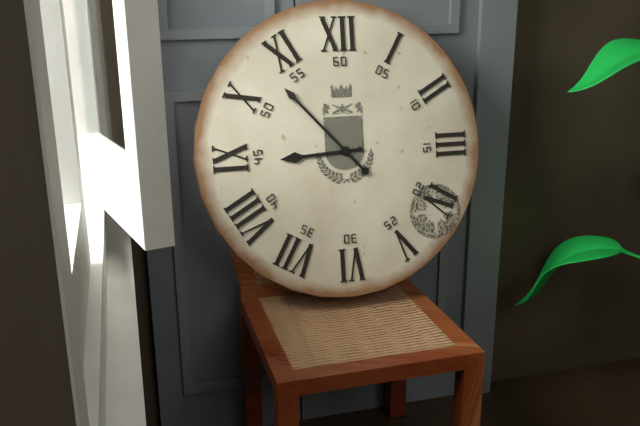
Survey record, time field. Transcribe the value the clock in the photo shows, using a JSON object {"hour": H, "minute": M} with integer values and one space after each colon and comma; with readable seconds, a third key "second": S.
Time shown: {"hour": 8, "minute": 53}
